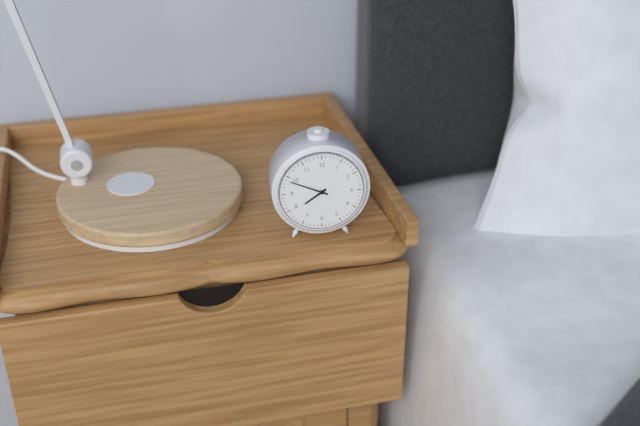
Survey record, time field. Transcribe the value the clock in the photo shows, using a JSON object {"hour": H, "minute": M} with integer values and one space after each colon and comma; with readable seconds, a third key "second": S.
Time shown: {"hour": 7, "minute": 49}
